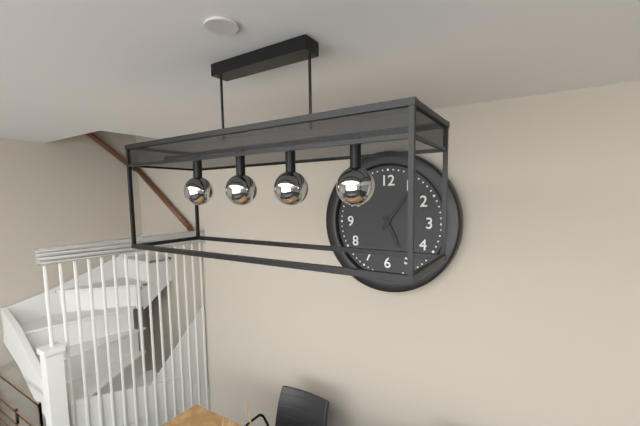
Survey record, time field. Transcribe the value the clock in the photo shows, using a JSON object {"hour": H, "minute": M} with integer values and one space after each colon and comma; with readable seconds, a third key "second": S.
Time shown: {"hour": 5, "minute": 6}
